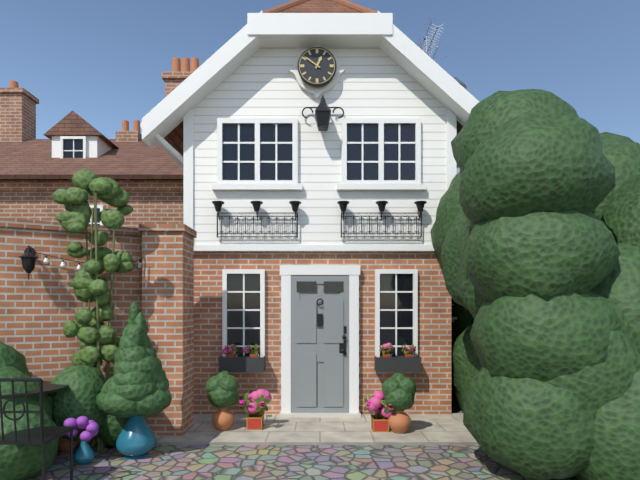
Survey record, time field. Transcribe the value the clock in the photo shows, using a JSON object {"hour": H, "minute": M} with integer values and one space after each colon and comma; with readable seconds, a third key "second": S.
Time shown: {"hour": 12, "minute": 51}
